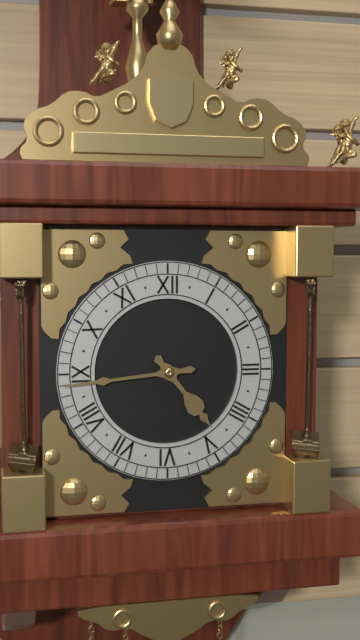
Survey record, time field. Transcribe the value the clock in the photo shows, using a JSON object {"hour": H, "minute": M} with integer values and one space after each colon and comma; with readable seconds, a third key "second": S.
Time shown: {"hour": 4, "minute": 44}
